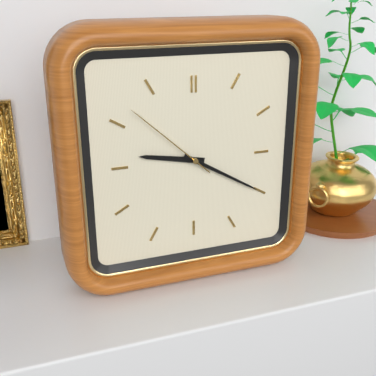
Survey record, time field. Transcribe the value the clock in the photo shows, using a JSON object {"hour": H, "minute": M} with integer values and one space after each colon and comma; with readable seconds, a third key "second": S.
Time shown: {"hour": 9, "minute": 20, "second": 52}
